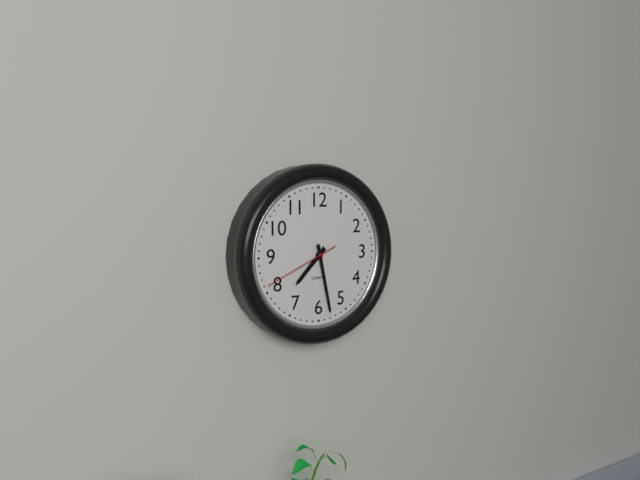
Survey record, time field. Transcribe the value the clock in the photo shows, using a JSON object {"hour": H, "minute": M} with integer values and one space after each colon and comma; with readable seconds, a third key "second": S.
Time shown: {"hour": 7, "minute": 28, "second": 41}
